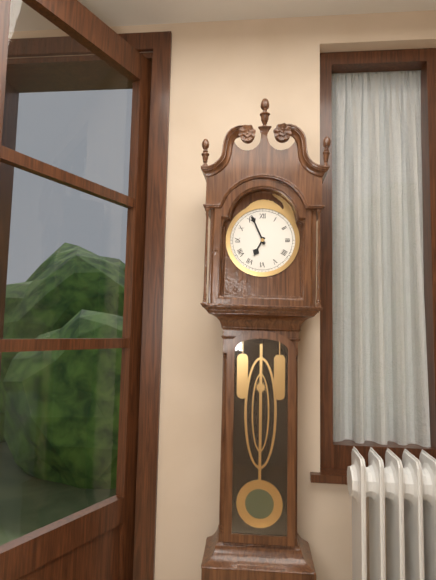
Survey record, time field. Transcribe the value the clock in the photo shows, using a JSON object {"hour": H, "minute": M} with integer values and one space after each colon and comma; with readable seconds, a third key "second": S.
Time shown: {"hour": 6, "minute": 56}
